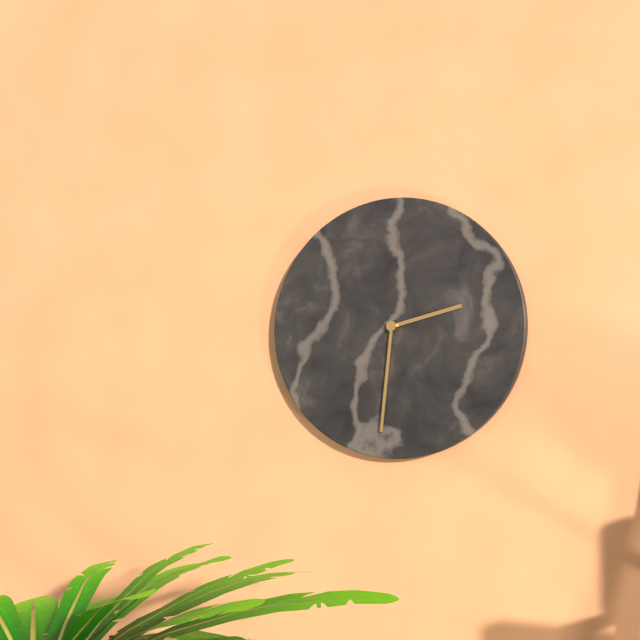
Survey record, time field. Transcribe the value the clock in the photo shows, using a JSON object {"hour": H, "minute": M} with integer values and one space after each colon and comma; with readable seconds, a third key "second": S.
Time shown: {"hour": 2, "minute": 31}
